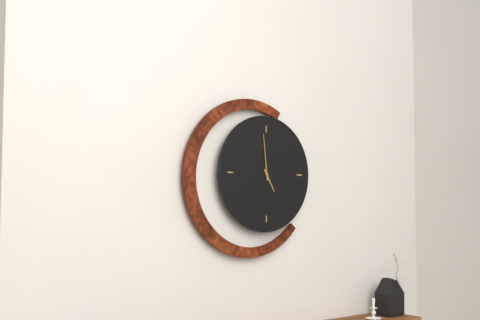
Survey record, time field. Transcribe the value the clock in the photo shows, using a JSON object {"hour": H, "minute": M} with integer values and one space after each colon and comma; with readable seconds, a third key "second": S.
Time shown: {"hour": 4, "minute": 59}
